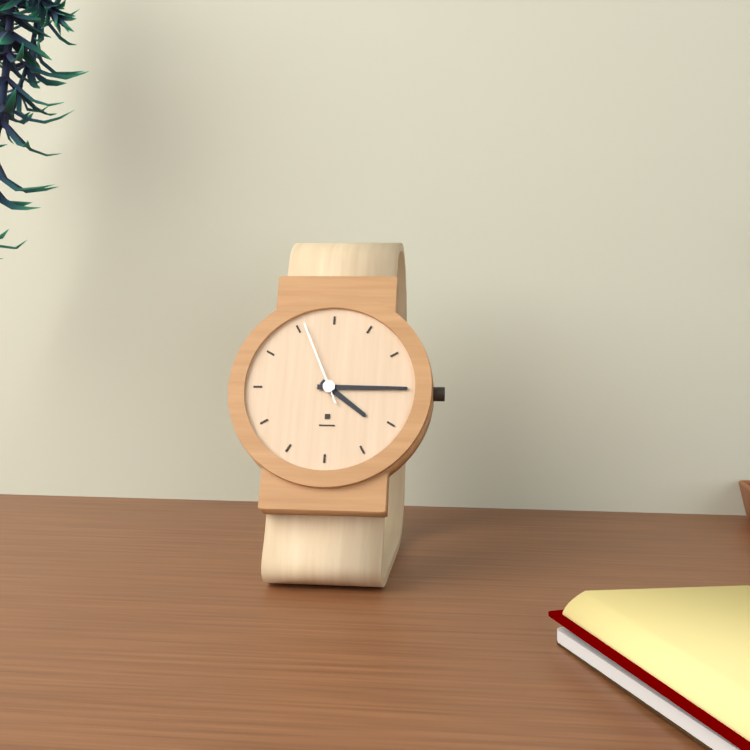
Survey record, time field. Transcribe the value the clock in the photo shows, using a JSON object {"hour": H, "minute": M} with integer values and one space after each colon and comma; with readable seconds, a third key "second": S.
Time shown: {"hour": 4, "minute": 15, "second": 56}
